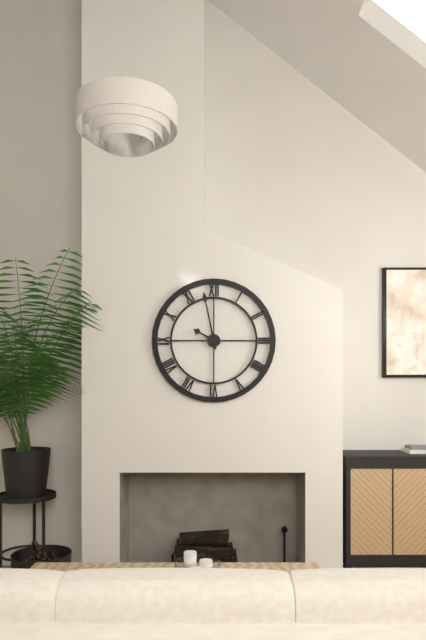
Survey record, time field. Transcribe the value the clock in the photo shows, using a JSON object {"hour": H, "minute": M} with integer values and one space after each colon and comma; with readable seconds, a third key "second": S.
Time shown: {"hour": 9, "minute": 58}
